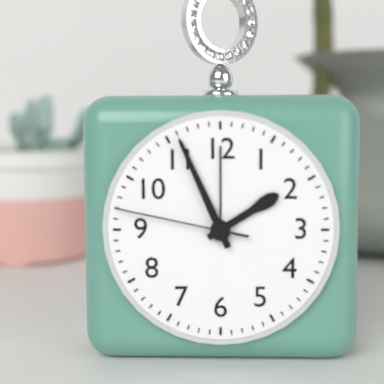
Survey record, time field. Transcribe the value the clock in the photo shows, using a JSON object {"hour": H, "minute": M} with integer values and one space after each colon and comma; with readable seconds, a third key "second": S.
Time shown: {"hour": 1, "minute": 56, "second": 47}
